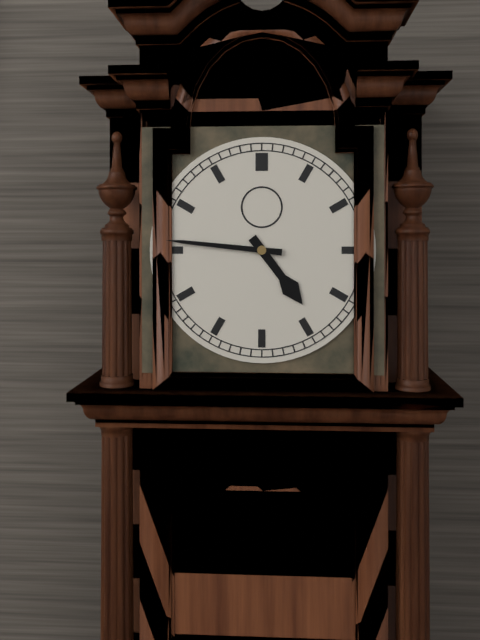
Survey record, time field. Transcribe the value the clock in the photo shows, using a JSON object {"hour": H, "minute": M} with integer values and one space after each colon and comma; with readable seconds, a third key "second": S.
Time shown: {"hour": 4, "minute": 46}
